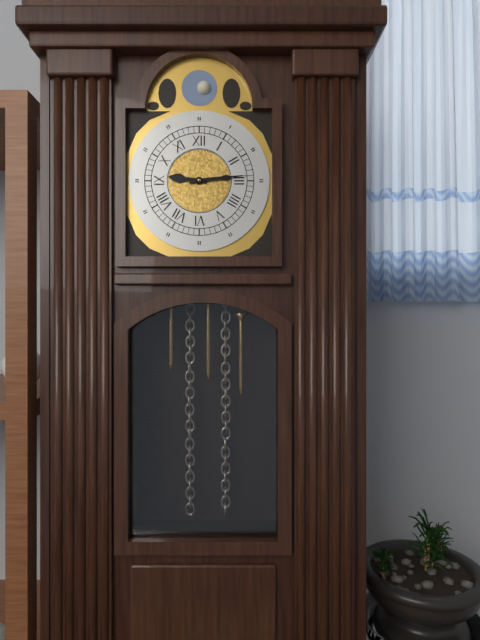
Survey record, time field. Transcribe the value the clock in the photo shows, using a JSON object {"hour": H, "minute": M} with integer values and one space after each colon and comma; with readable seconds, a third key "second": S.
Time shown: {"hour": 9, "minute": 14}
